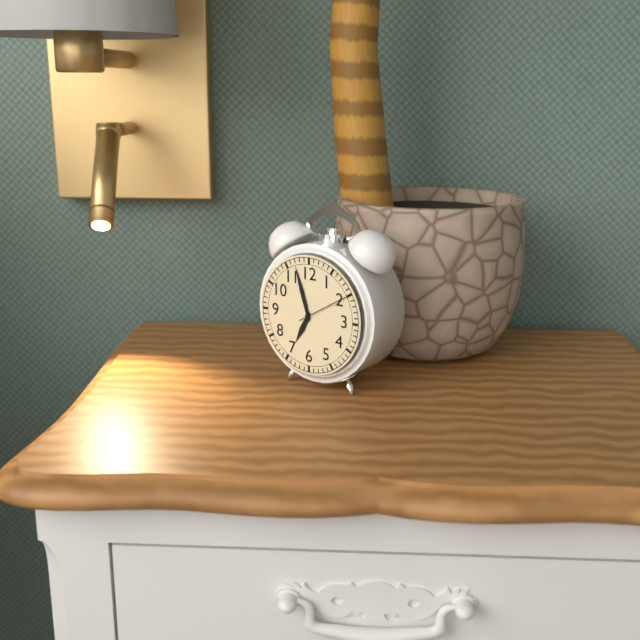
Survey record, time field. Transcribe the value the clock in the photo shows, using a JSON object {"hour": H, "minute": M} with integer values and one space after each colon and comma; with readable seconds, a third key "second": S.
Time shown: {"hour": 6, "minute": 57, "second": 10}
